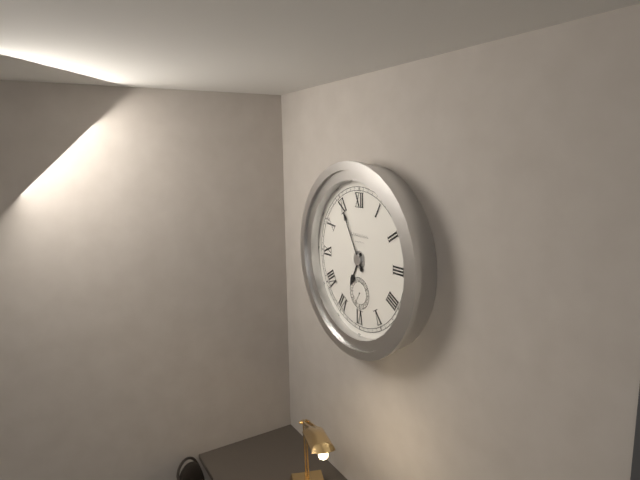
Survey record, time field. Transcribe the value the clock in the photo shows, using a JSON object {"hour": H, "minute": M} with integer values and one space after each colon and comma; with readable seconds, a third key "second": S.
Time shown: {"hour": 6, "minute": 55}
